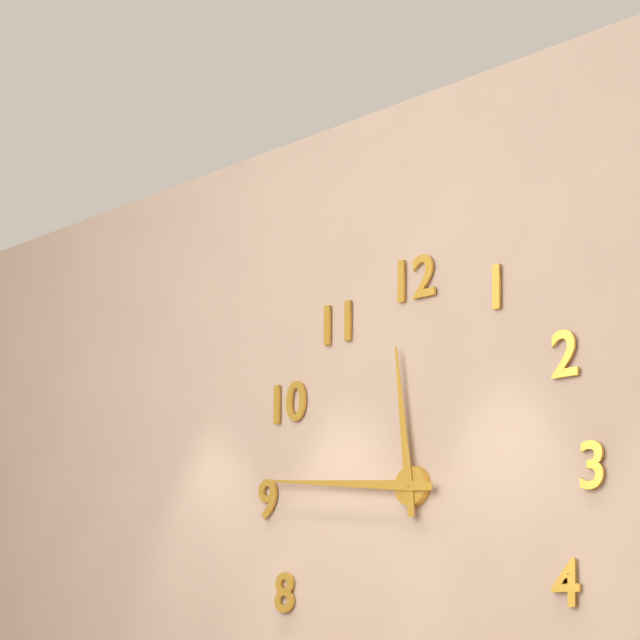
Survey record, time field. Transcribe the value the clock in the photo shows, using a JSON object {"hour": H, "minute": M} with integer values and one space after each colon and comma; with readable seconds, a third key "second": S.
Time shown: {"hour": 11, "minute": 46}
